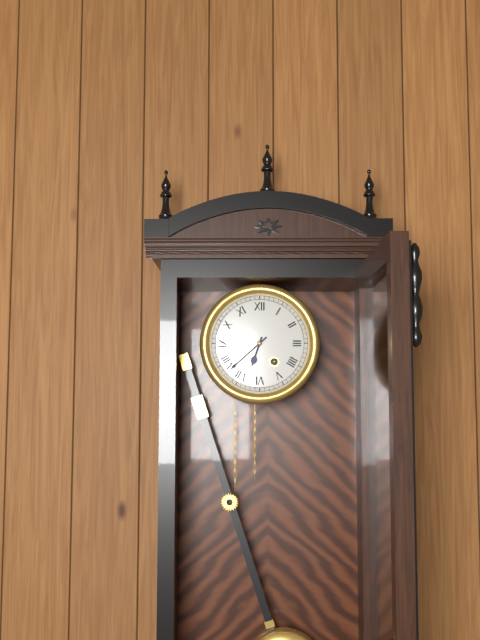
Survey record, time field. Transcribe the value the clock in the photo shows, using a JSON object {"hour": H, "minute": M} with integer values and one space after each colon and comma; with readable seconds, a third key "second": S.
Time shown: {"hour": 6, "minute": 38}
